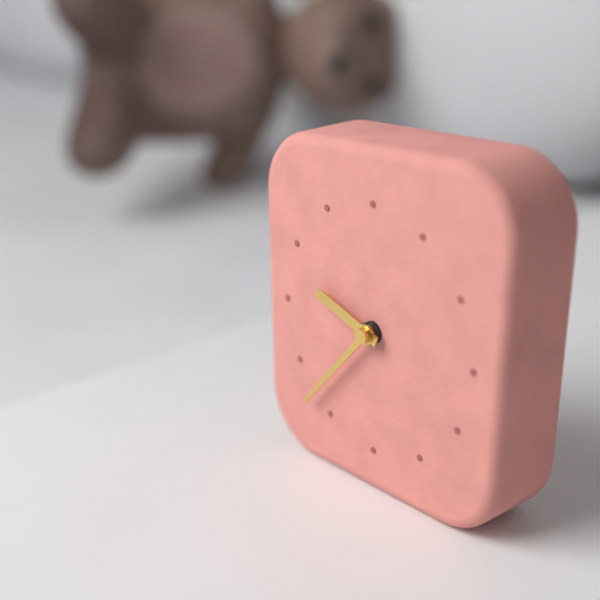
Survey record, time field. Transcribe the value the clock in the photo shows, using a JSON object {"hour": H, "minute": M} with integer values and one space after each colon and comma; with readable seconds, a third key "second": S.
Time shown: {"hour": 9, "minute": 37}
